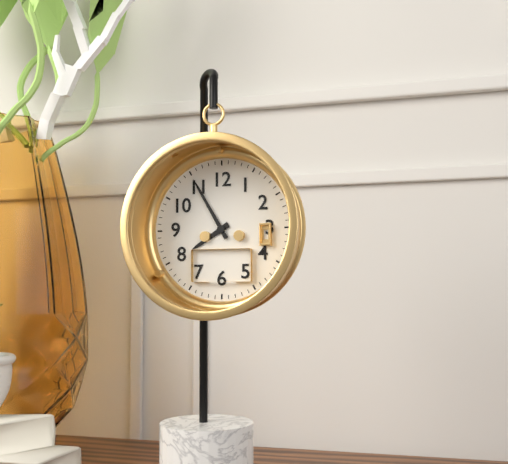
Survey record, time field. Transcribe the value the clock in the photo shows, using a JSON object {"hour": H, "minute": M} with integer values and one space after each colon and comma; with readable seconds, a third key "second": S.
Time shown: {"hour": 7, "minute": 55}
